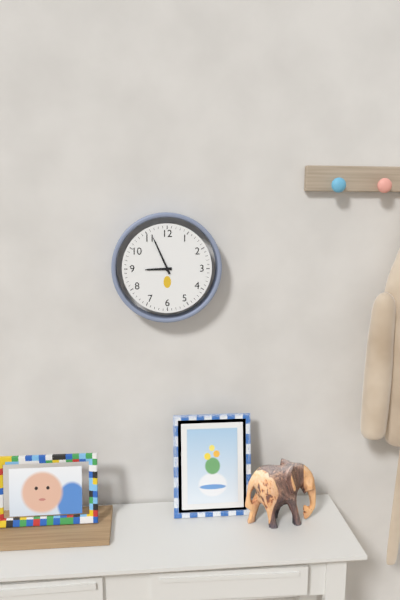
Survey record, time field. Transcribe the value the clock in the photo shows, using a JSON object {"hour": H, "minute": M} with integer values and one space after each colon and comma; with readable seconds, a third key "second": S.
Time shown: {"hour": 8, "minute": 56}
